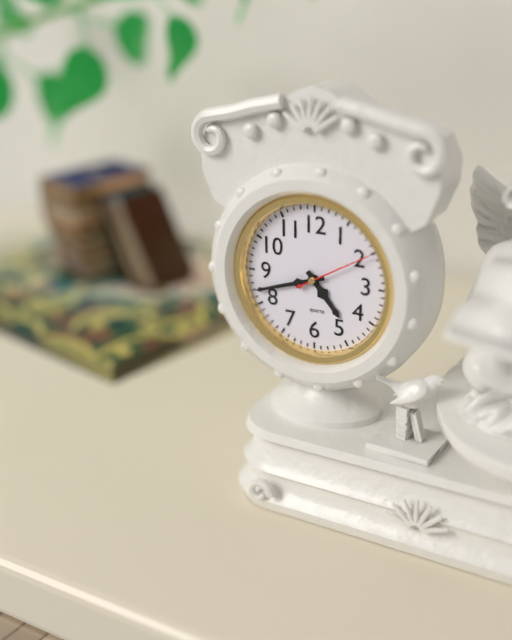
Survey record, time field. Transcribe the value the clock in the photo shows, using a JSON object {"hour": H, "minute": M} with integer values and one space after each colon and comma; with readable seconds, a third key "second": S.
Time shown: {"hour": 4, "minute": 42, "second": 10}
